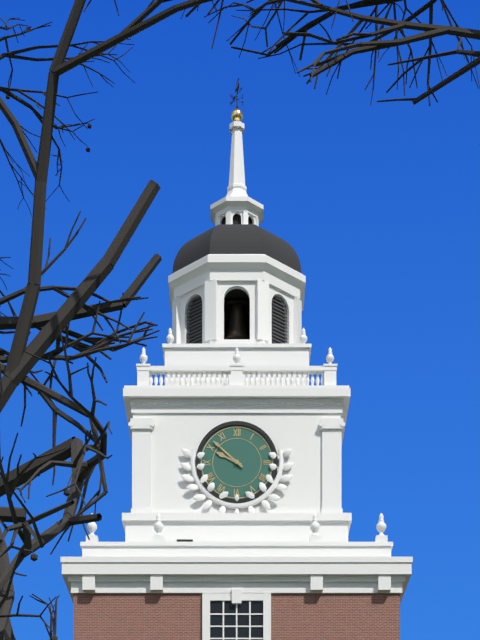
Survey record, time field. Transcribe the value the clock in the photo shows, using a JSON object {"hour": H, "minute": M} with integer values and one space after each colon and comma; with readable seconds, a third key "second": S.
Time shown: {"hour": 9, "minute": 52}
